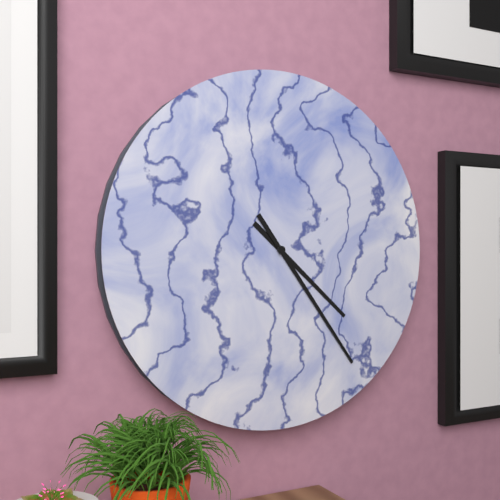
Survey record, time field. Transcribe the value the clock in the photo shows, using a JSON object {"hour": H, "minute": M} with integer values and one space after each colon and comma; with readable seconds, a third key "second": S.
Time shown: {"hour": 4, "minute": 24}
